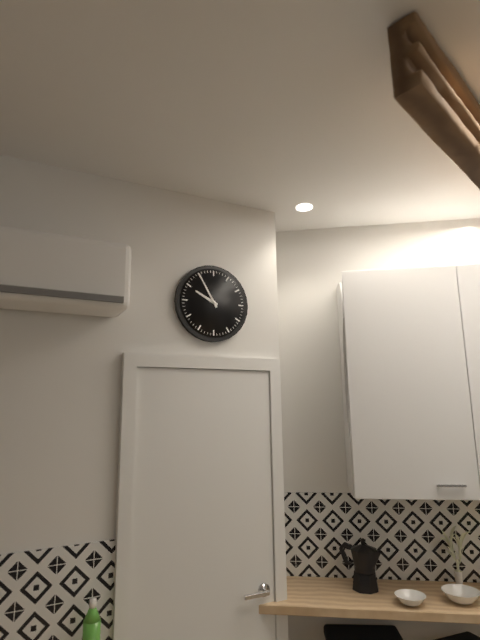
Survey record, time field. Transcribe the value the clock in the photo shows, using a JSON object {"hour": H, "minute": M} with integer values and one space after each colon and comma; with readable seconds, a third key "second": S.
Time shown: {"hour": 9, "minute": 55}
